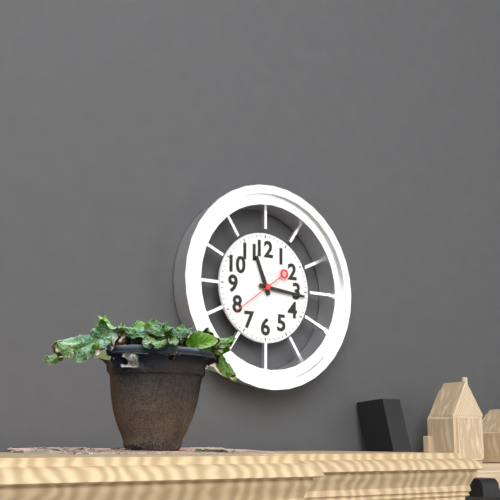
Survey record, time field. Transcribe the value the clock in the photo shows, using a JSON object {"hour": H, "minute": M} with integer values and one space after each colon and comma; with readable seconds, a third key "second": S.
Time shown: {"hour": 11, "minute": 16}
